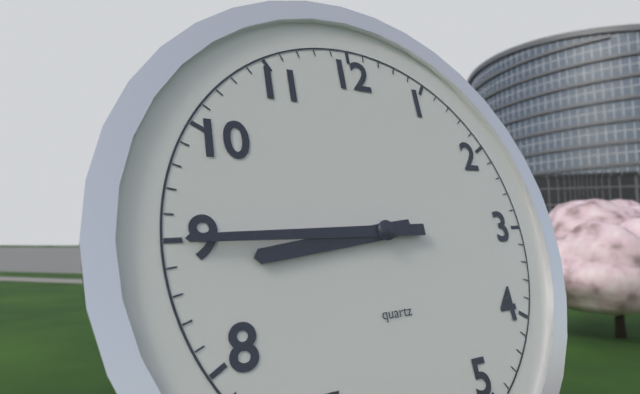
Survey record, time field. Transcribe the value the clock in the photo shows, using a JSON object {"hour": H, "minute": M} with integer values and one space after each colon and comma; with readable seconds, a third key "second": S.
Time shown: {"hour": 8, "minute": 45}
